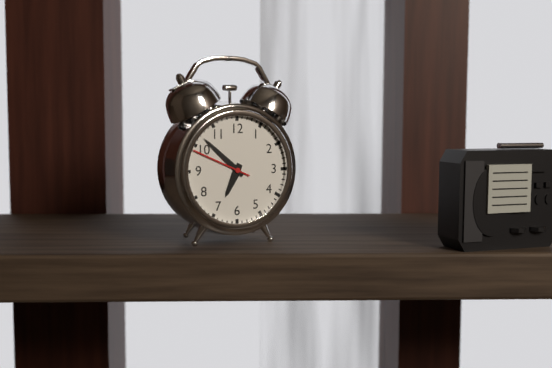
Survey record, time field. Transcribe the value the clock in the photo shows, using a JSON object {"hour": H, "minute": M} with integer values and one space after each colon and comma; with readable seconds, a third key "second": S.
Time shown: {"hour": 6, "minute": 52, "second": 49}
